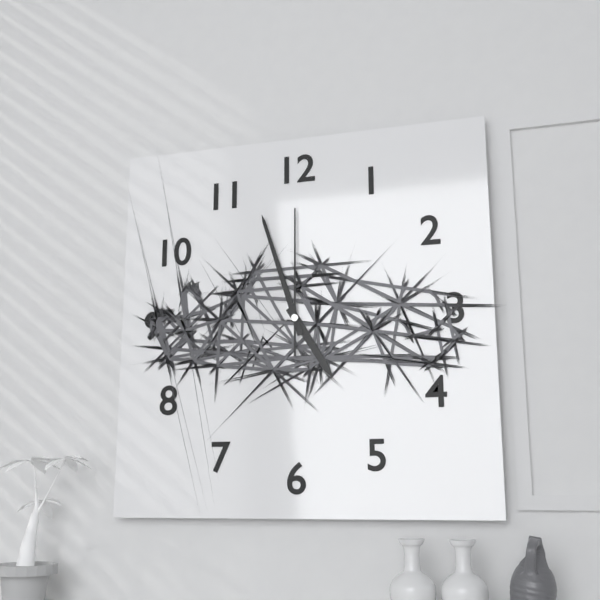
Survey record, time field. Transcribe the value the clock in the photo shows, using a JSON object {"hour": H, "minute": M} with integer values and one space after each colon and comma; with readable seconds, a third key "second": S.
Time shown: {"hour": 4, "minute": 57, "second": 0}
